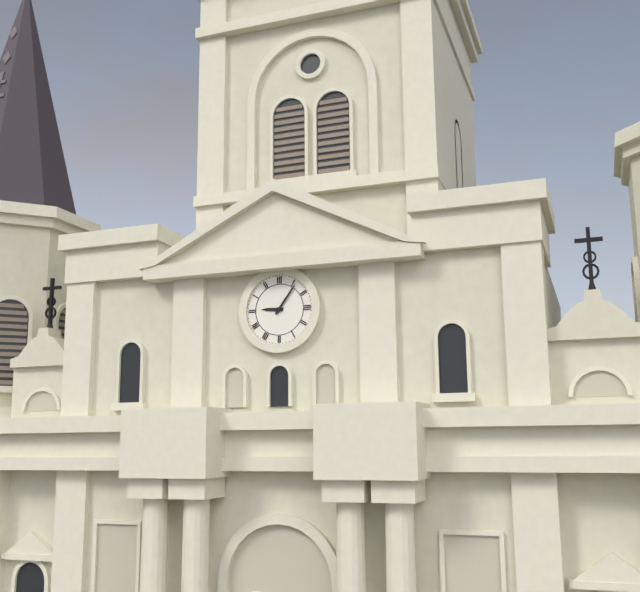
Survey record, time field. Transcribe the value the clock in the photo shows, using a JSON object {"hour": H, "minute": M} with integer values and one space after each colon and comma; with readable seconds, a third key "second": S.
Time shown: {"hour": 9, "minute": 6}
